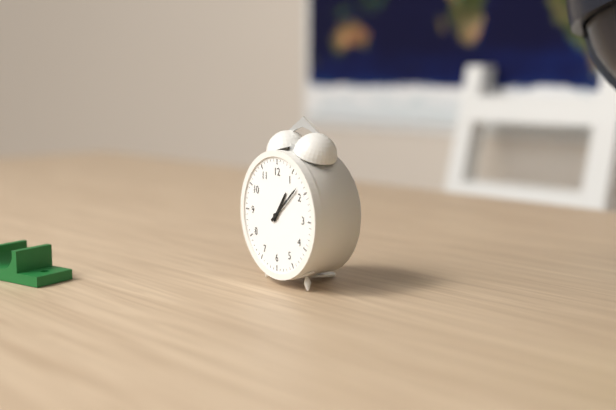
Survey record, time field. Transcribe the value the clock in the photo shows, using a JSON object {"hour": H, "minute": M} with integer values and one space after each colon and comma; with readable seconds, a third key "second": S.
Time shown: {"hour": 1, "minute": 8}
